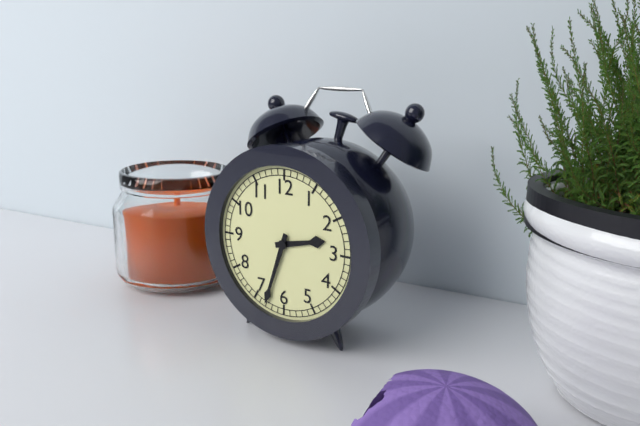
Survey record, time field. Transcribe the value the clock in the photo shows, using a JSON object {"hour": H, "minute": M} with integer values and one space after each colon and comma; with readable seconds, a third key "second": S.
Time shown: {"hour": 2, "minute": 33}
